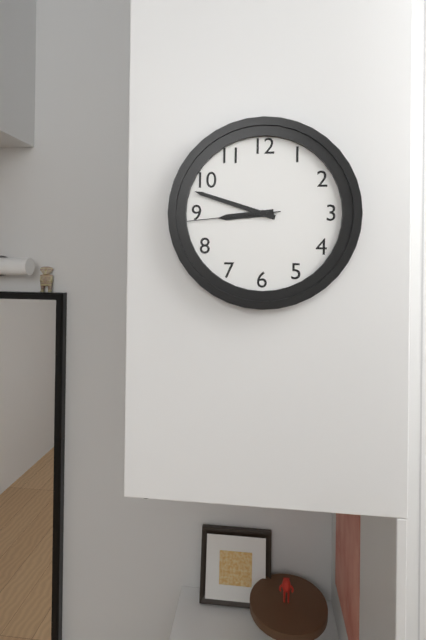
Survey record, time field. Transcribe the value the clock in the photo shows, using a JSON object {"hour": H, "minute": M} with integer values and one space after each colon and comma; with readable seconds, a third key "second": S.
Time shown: {"hour": 8, "minute": 48, "second": 44}
